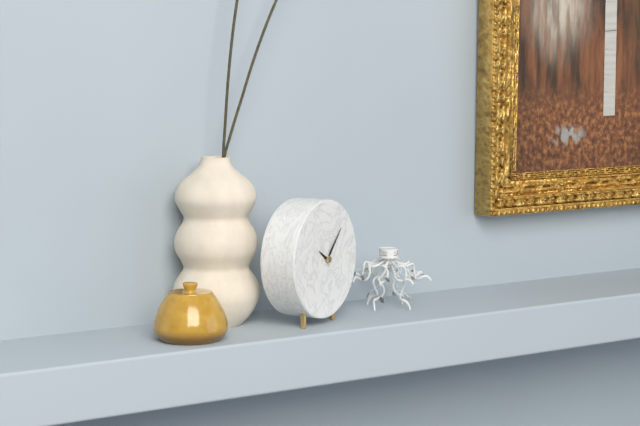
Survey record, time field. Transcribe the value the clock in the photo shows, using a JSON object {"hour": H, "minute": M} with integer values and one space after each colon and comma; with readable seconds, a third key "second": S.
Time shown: {"hour": 10, "minute": 7}
